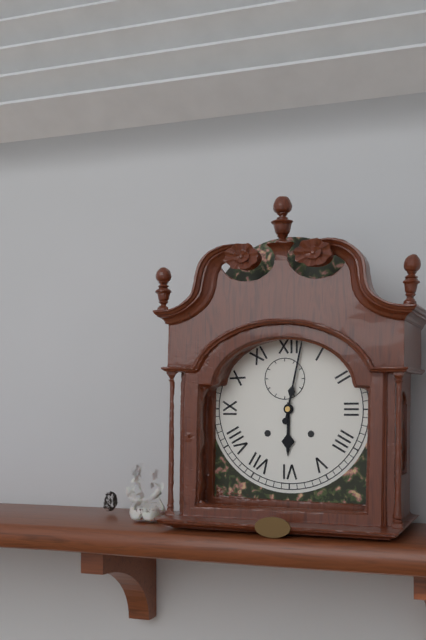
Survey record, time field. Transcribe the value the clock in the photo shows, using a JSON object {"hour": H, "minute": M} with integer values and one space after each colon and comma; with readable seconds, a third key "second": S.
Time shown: {"hour": 6, "minute": 2}
